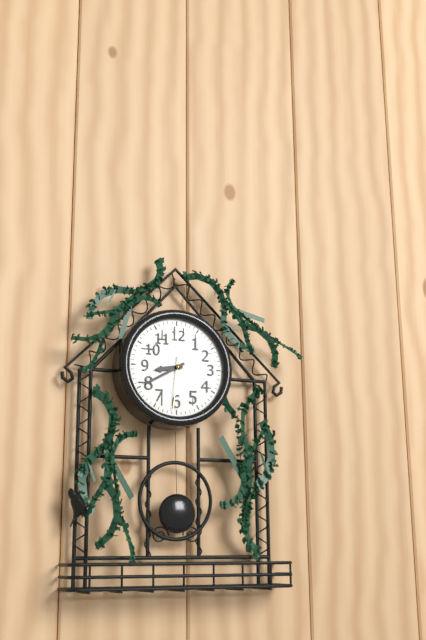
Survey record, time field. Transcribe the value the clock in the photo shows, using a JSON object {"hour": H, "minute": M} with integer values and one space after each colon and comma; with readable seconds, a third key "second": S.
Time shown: {"hour": 8, "minute": 40, "second": 31}
